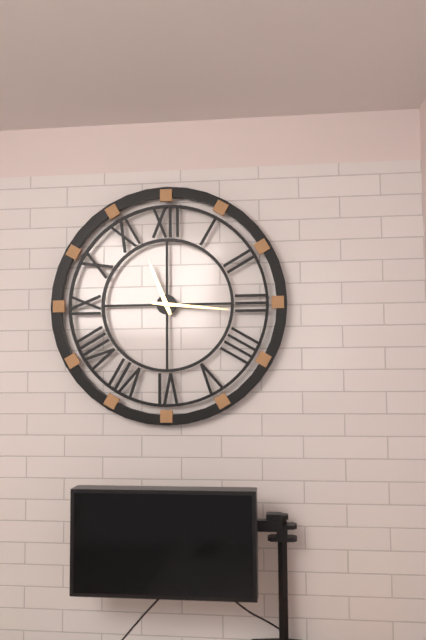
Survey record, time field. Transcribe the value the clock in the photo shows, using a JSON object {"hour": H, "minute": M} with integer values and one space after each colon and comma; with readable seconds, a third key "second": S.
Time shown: {"hour": 11, "minute": 16}
